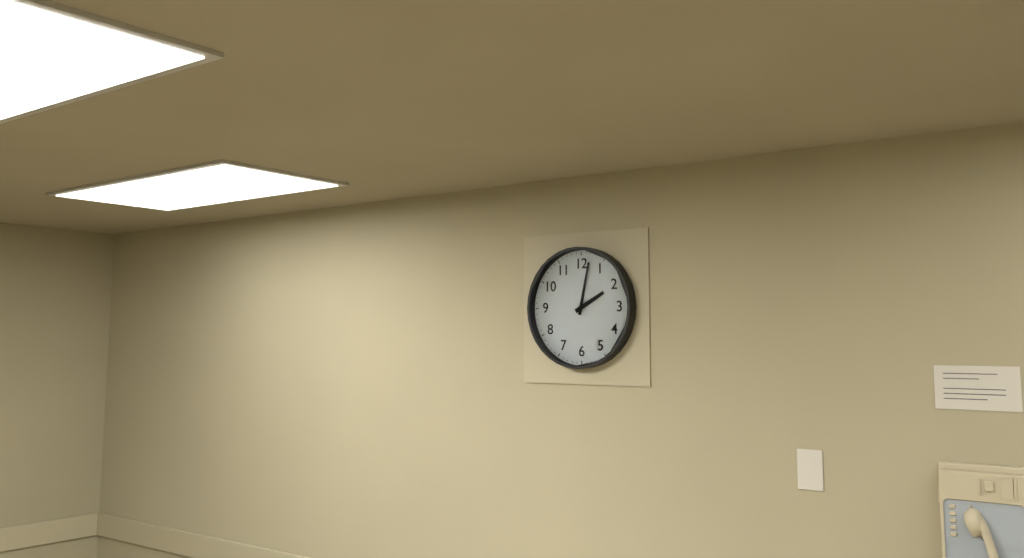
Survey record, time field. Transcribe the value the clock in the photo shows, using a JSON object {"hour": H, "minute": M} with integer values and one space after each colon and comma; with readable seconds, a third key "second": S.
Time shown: {"hour": 2, "minute": 2}
